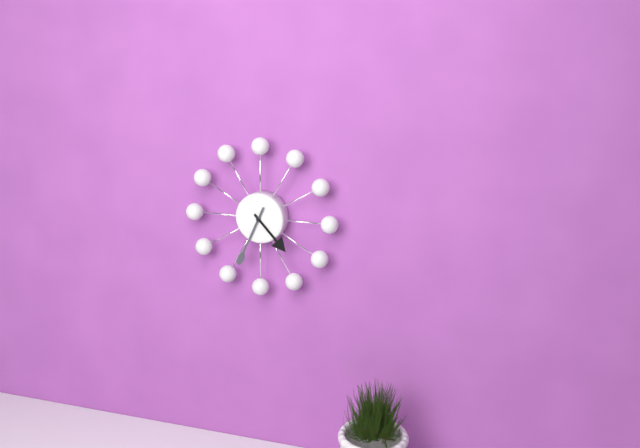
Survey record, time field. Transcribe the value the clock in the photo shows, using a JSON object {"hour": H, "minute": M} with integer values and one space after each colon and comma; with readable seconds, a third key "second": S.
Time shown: {"hour": 4, "minute": 34}
